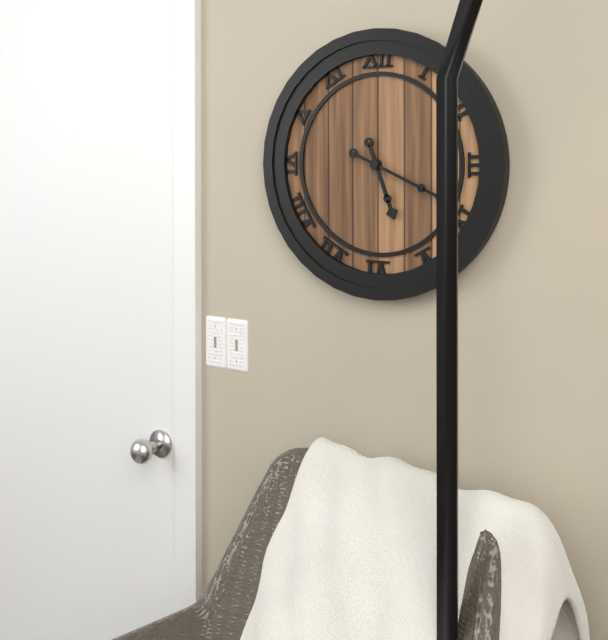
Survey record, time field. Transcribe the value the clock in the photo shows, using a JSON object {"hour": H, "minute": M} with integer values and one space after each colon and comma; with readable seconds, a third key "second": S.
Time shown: {"hour": 5, "minute": 19}
